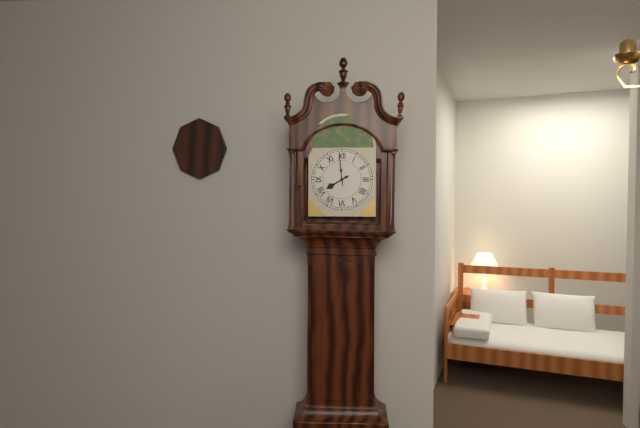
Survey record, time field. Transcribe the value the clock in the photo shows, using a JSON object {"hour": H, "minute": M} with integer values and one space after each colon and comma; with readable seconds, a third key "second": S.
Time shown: {"hour": 7, "minute": 59}
